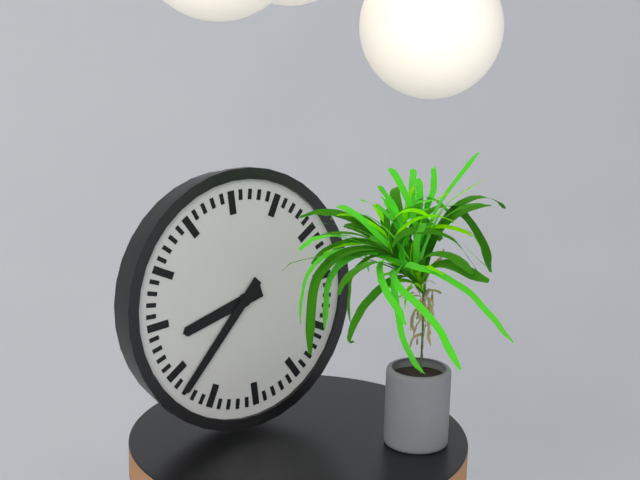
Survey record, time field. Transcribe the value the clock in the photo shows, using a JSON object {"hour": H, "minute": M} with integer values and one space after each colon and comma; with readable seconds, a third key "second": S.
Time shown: {"hour": 8, "minute": 38}
